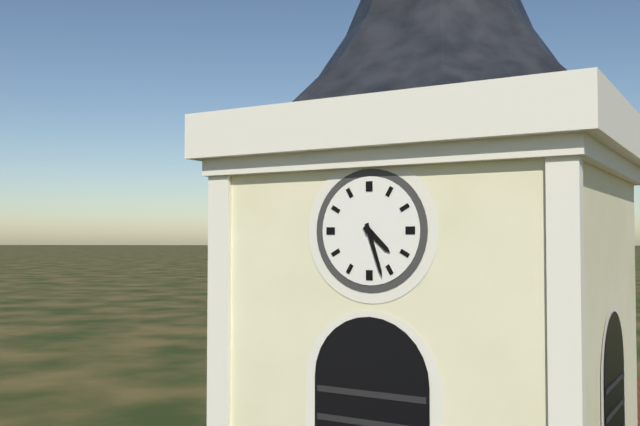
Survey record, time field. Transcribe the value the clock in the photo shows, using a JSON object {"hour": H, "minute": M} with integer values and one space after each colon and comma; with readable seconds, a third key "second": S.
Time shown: {"hour": 4, "minute": 27}
